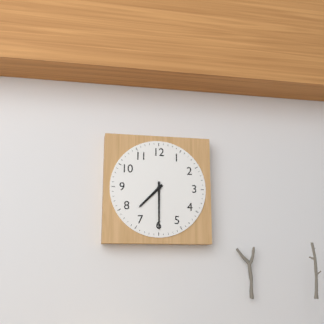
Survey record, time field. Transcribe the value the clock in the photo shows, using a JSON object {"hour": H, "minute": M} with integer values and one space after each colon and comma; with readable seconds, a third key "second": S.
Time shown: {"hour": 7, "minute": 30}
